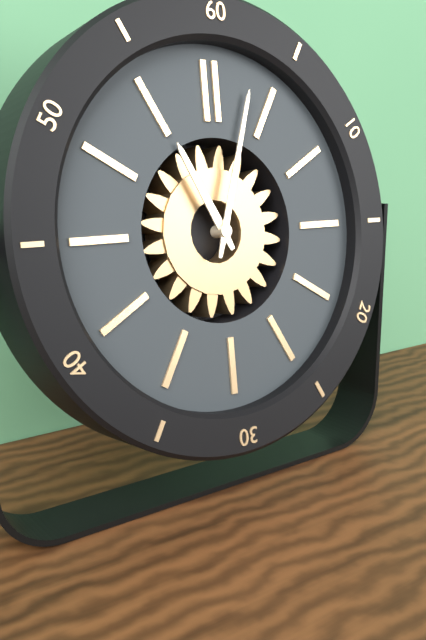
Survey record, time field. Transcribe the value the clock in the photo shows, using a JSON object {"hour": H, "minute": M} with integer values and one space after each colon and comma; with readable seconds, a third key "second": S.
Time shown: {"hour": 11, "minute": 3}
